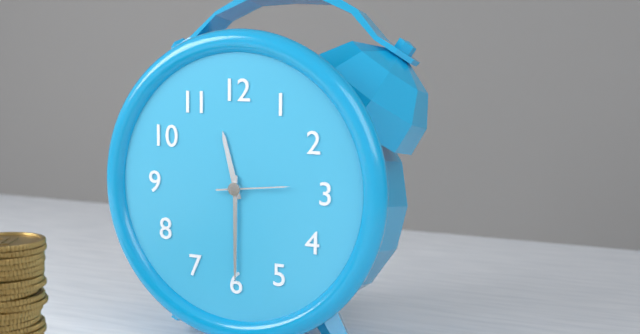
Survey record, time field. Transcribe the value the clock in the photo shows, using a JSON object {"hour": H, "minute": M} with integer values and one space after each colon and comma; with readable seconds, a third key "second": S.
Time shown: {"hour": 11, "minute": 30, "second": 14}
